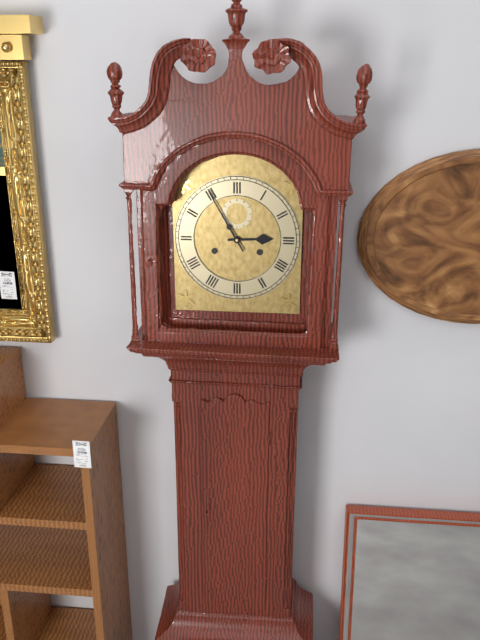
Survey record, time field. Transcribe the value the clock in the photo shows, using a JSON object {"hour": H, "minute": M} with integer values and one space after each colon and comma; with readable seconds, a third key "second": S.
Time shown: {"hour": 2, "minute": 55}
